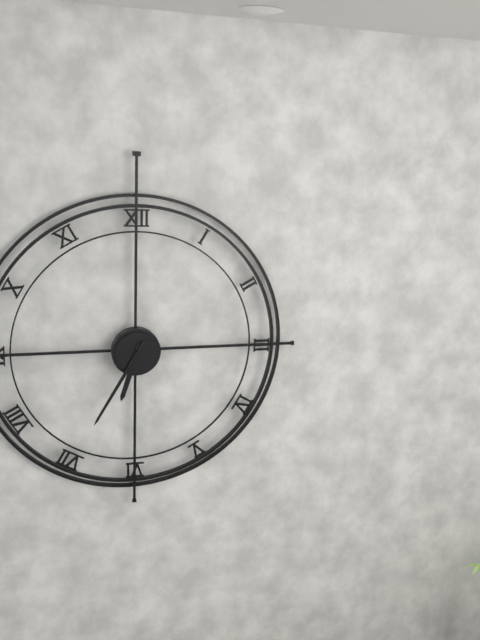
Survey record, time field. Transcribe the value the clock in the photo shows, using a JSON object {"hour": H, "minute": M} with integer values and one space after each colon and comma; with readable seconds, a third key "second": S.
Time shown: {"hour": 6, "minute": 35}
